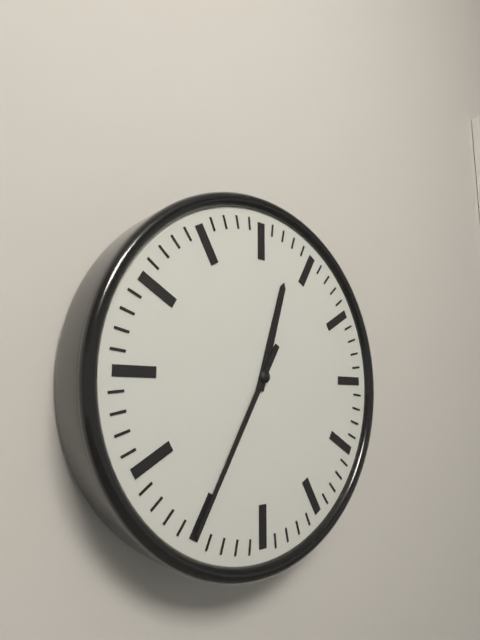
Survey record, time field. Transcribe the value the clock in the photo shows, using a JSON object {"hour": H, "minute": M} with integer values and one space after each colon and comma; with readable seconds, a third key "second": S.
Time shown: {"hour": 12, "minute": 35}
